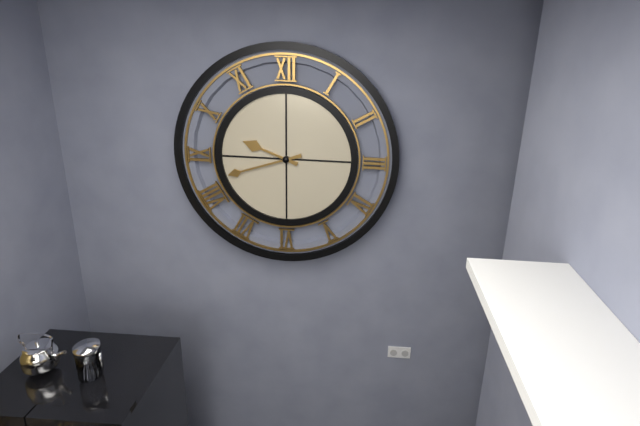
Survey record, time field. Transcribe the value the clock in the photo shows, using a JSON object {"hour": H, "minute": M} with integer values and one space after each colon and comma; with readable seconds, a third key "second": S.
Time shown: {"hour": 9, "minute": 42}
